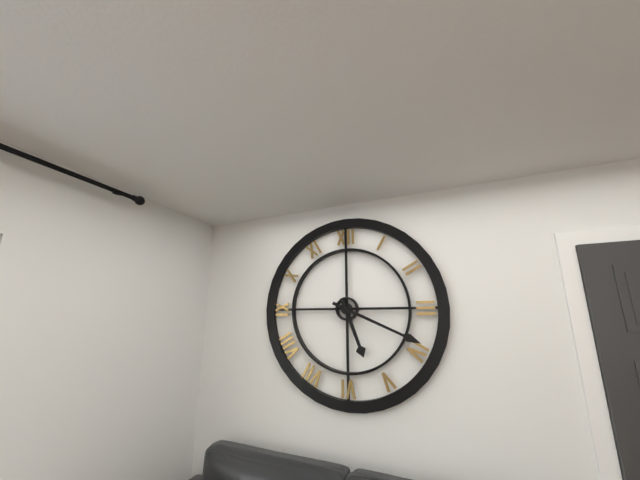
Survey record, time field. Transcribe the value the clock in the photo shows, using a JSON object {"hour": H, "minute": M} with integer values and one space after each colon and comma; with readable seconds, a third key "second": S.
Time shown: {"hour": 5, "minute": 19}
